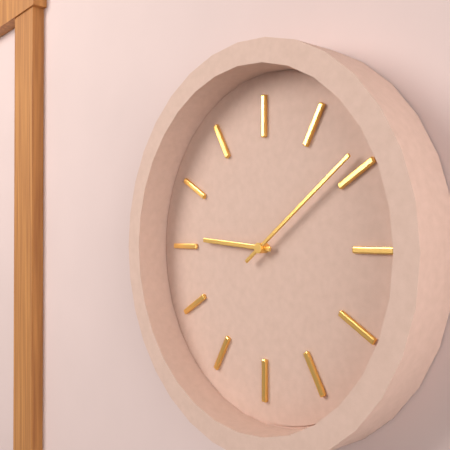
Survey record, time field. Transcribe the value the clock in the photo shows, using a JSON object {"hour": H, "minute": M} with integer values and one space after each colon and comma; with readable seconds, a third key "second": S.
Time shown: {"hour": 9, "minute": 9}
